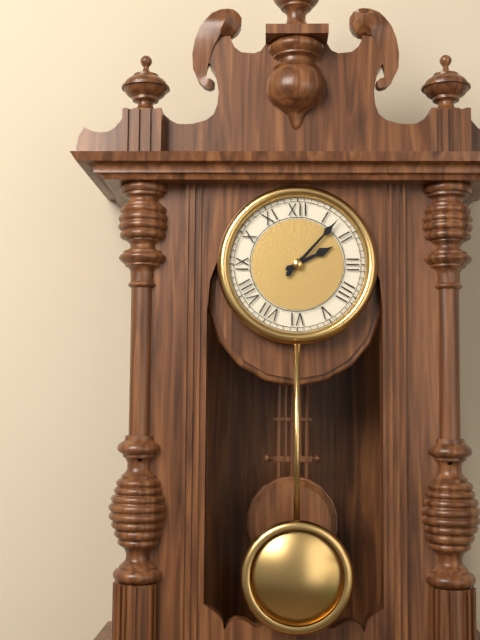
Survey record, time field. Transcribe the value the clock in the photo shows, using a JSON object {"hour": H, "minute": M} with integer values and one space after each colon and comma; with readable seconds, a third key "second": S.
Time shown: {"hour": 2, "minute": 7}
